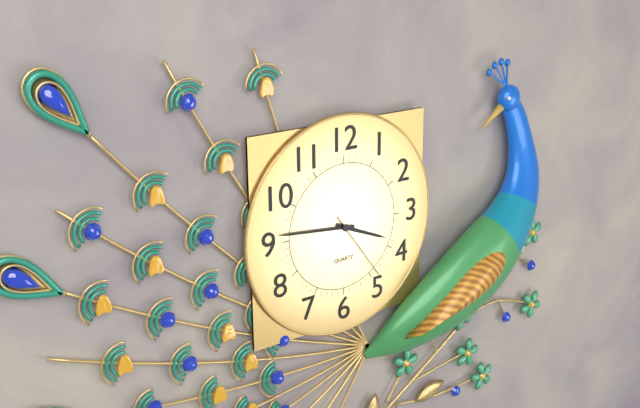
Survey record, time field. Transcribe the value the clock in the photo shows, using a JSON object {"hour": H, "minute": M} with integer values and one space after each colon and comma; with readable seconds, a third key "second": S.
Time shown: {"hour": 3, "minute": 46, "second": 24}
